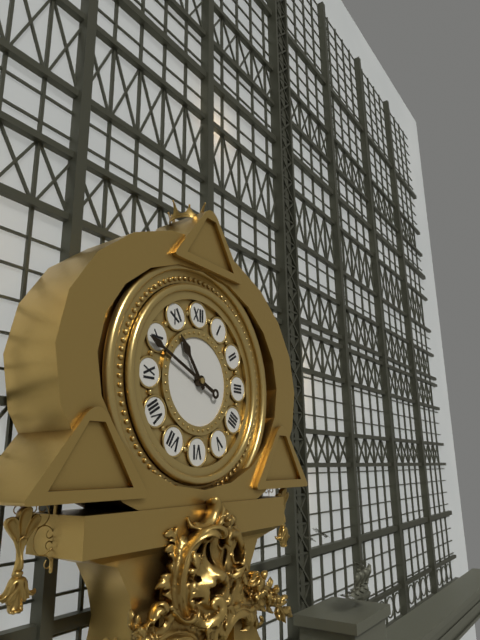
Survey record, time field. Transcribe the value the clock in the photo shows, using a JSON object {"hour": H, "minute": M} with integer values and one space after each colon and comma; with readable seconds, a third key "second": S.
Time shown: {"hour": 10, "minute": 49}
